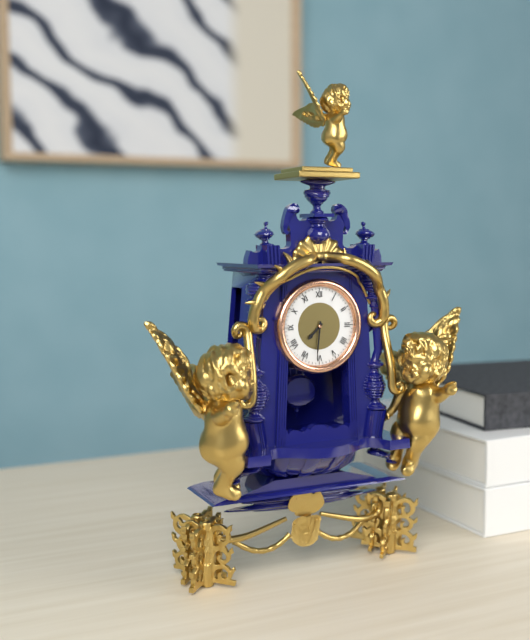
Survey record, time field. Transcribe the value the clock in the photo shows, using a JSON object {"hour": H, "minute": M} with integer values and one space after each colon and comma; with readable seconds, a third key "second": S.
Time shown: {"hour": 7, "minute": 31}
